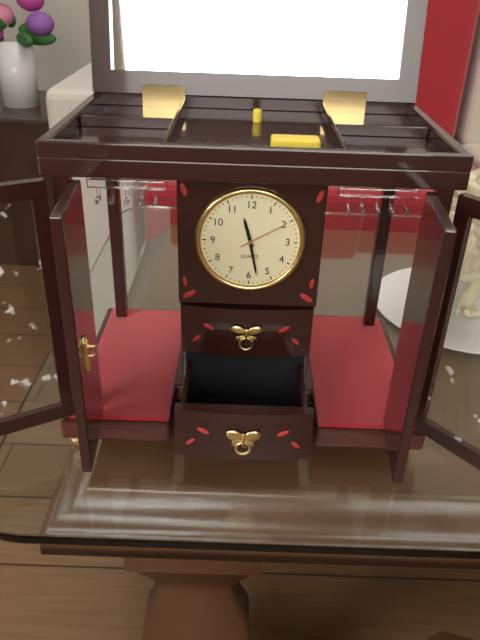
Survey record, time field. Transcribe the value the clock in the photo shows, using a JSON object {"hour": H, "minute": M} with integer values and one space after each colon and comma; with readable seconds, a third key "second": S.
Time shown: {"hour": 11, "minute": 28, "second": 10}
